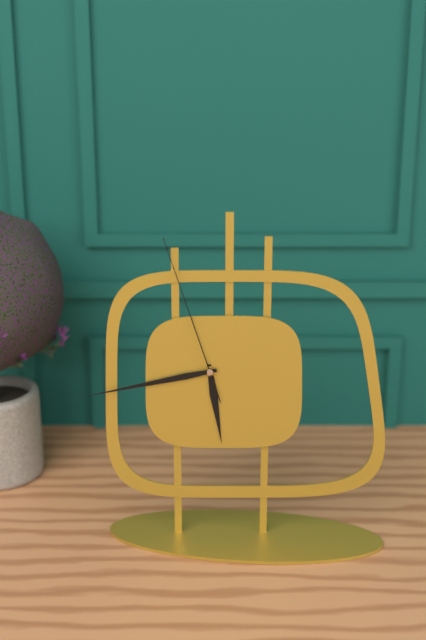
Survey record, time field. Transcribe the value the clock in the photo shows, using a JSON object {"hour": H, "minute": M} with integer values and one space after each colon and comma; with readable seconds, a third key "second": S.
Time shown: {"hour": 5, "minute": 43, "second": 57}
